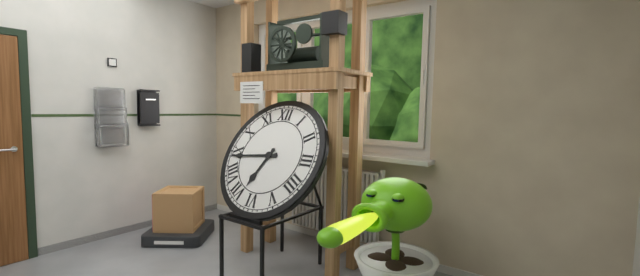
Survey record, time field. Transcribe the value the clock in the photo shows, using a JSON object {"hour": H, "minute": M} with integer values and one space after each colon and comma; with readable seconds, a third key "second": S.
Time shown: {"hour": 6, "minute": 44}
